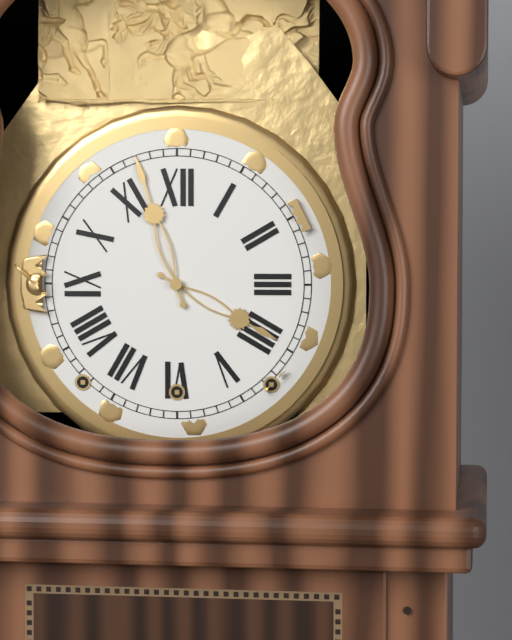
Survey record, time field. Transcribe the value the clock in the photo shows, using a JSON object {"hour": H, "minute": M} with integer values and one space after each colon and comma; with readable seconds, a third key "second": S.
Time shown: {"hour": 3, "minute": 57}
